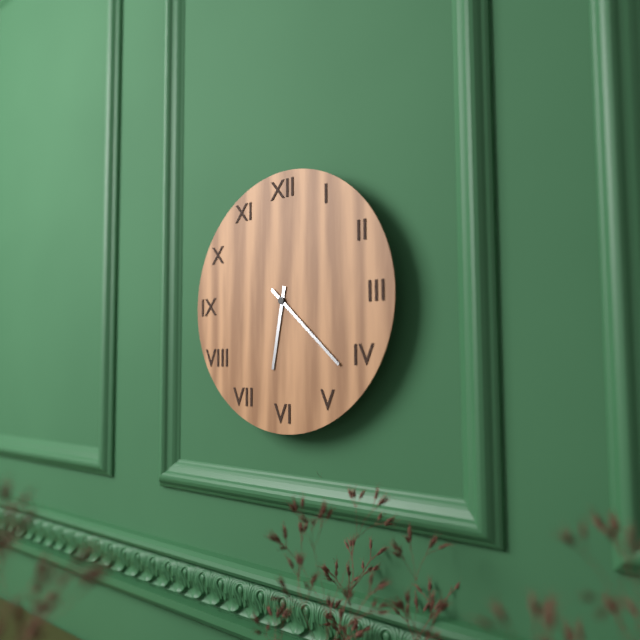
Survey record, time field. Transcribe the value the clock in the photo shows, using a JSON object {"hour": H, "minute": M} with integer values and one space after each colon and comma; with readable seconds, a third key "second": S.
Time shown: {"hour": 6, "minute": 22}
